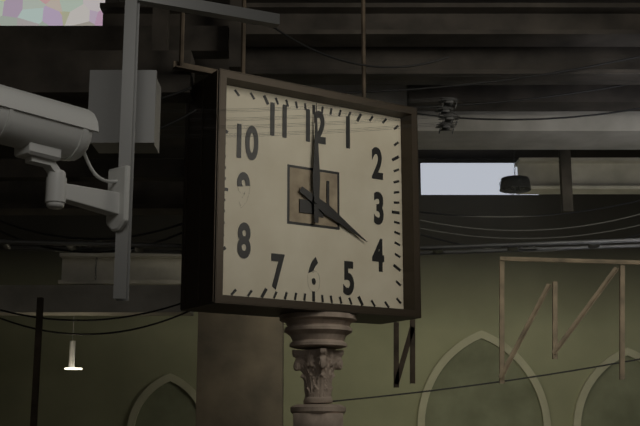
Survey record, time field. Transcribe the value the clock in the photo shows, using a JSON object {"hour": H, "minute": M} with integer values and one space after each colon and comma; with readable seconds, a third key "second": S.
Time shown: {"hour": 4, "minute": 0}
